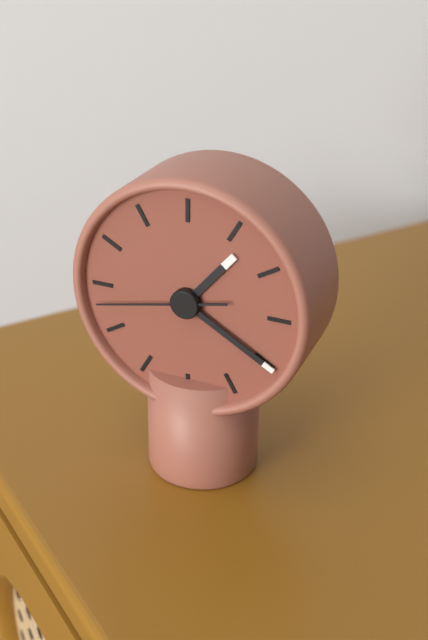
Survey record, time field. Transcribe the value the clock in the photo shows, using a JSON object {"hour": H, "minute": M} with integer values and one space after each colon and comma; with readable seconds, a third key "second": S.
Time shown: {"hour": 1, "minute": 20, "second": 43}
